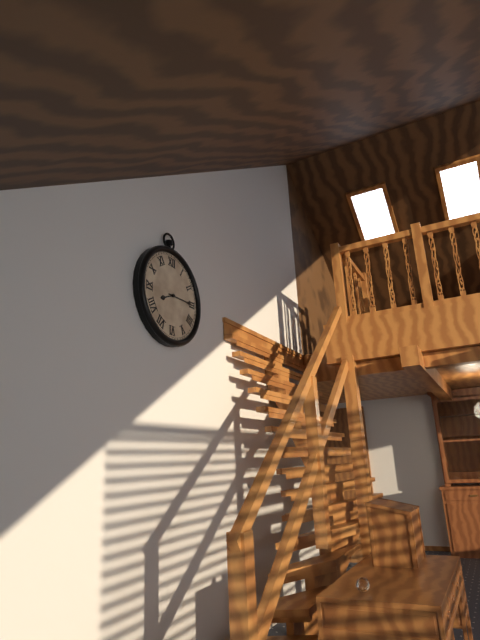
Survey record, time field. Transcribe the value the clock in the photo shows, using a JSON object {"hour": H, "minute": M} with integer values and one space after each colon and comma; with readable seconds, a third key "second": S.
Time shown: {"hour": 8, "minute": 15}
